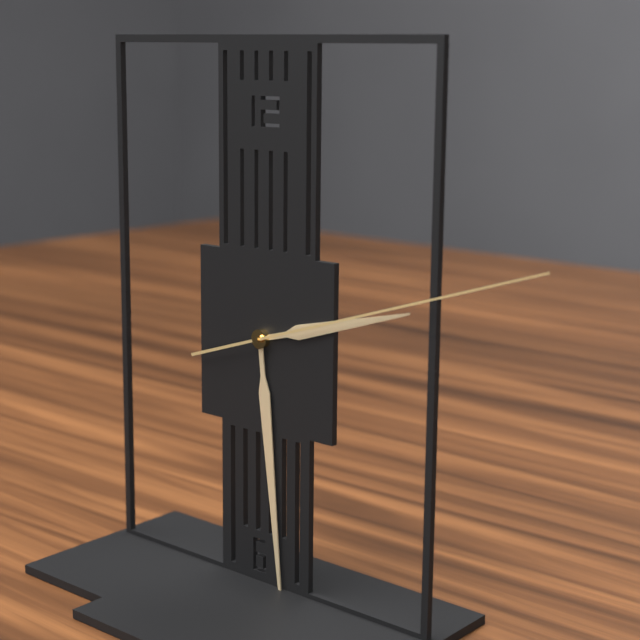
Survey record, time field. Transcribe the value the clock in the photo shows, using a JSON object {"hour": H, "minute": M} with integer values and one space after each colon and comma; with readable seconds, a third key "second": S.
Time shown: {"hour": 2, "minute": 29, "second": 12}
